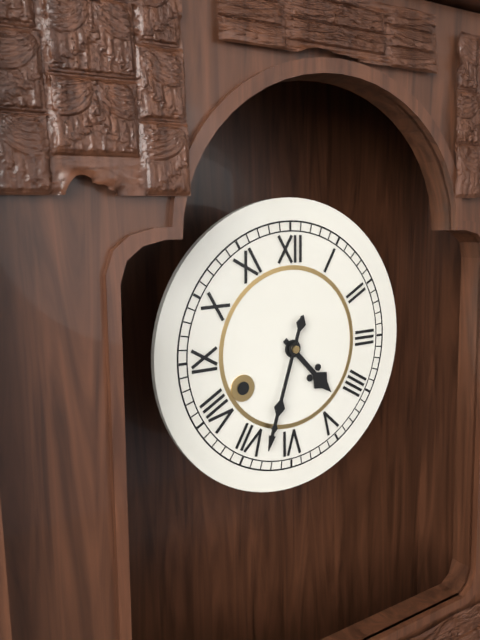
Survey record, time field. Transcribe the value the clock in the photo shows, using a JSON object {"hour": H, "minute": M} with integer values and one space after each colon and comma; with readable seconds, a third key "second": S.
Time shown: {"hour": 4, "minute": 33}
